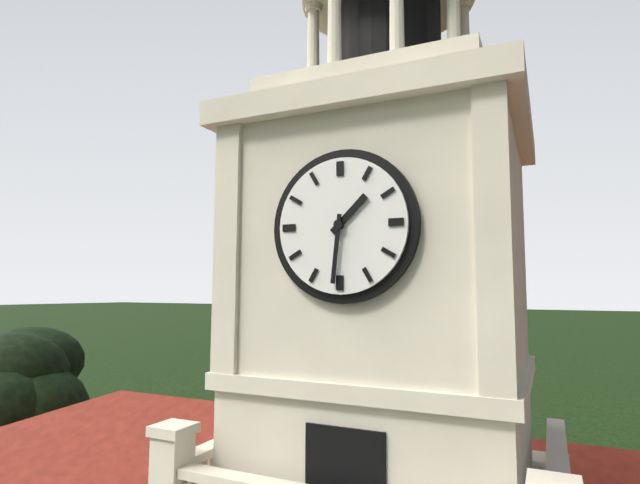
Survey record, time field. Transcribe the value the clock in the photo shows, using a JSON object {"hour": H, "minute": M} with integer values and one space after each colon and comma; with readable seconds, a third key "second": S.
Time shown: {"hour": 1, "minute": 31}
